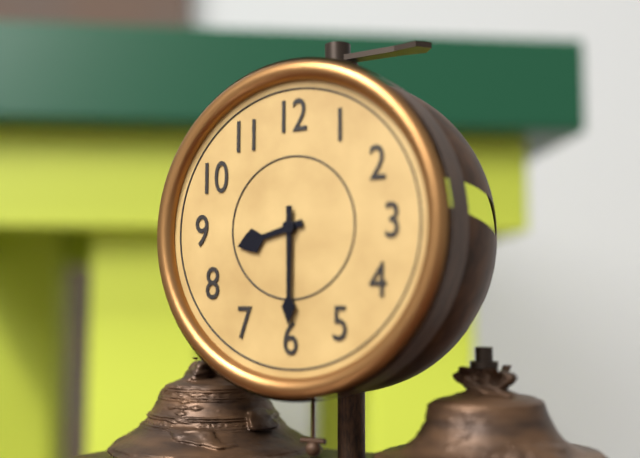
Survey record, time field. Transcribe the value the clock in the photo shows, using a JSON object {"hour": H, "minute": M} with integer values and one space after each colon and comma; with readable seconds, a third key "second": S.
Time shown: {"hour": 8, "minute": 30}
